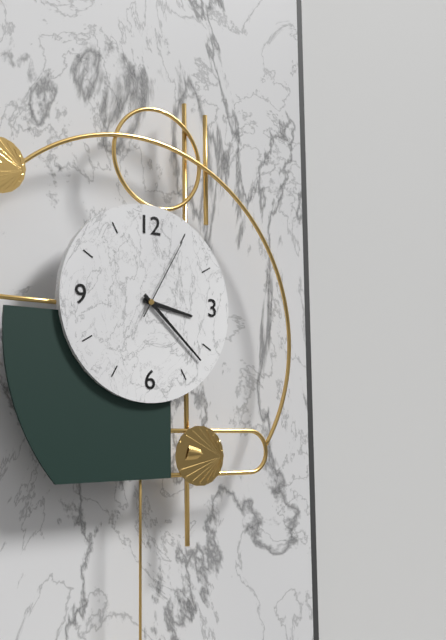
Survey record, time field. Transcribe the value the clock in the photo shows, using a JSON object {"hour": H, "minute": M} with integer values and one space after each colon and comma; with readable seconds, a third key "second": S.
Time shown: {"hour": 3, "minute": 22, "second": 5}
